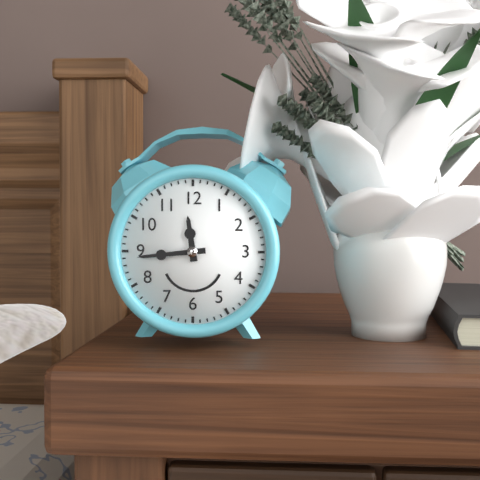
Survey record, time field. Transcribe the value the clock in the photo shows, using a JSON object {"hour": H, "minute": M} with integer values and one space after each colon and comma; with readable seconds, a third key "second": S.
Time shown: {"hour": 11, "minute": 44}
